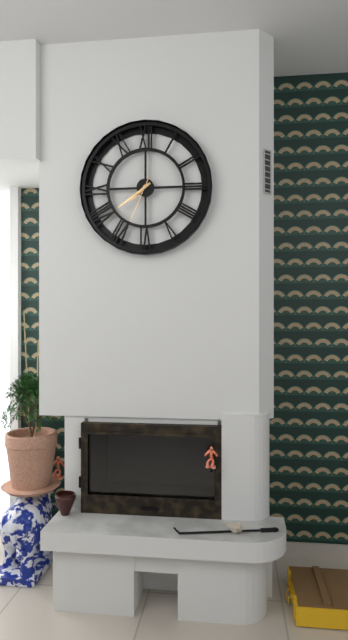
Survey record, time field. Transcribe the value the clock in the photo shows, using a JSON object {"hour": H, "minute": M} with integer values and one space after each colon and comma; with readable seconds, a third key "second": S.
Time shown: {"hour": 7, "minute": 39}
